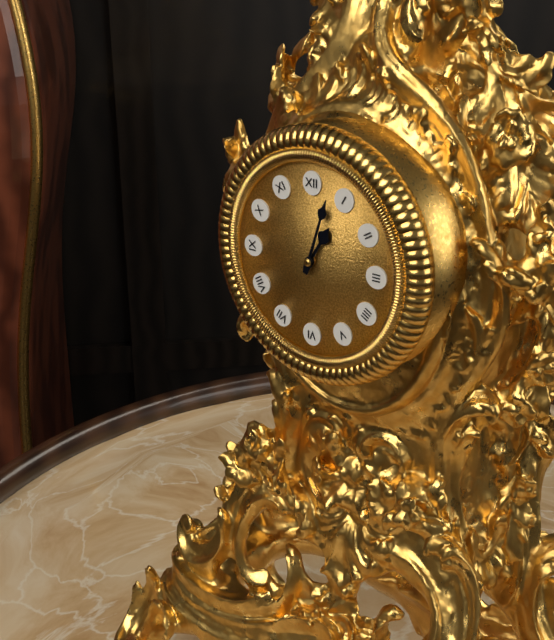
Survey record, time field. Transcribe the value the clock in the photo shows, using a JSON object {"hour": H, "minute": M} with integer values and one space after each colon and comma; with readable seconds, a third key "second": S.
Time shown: {"hour": 1, "minute": 3}
